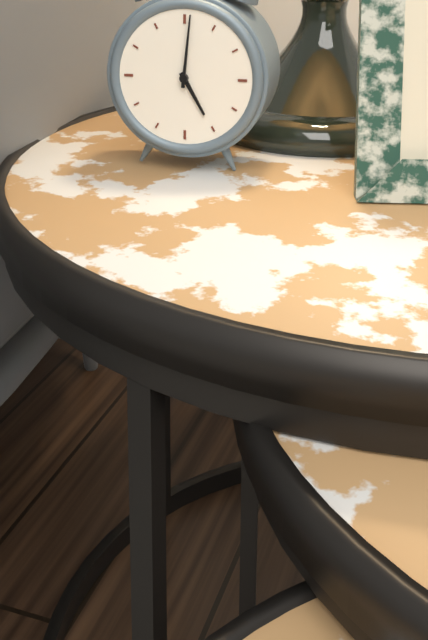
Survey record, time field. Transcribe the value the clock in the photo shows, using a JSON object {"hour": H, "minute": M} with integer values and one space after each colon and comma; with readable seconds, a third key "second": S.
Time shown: {"hour": 5, "minute": 1}
